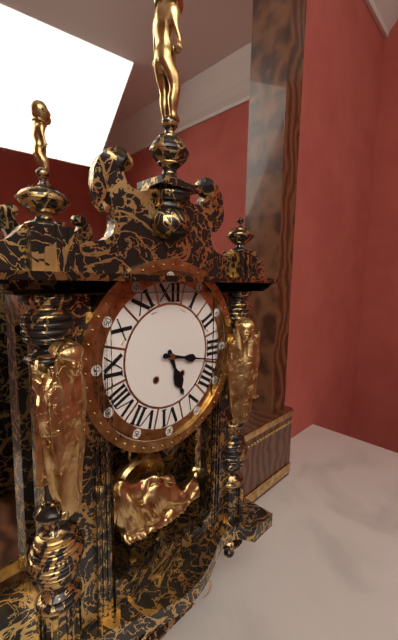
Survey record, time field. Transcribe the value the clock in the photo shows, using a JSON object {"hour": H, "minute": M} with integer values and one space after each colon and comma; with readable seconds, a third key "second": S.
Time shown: {"hour": 5, "minute": 17}
